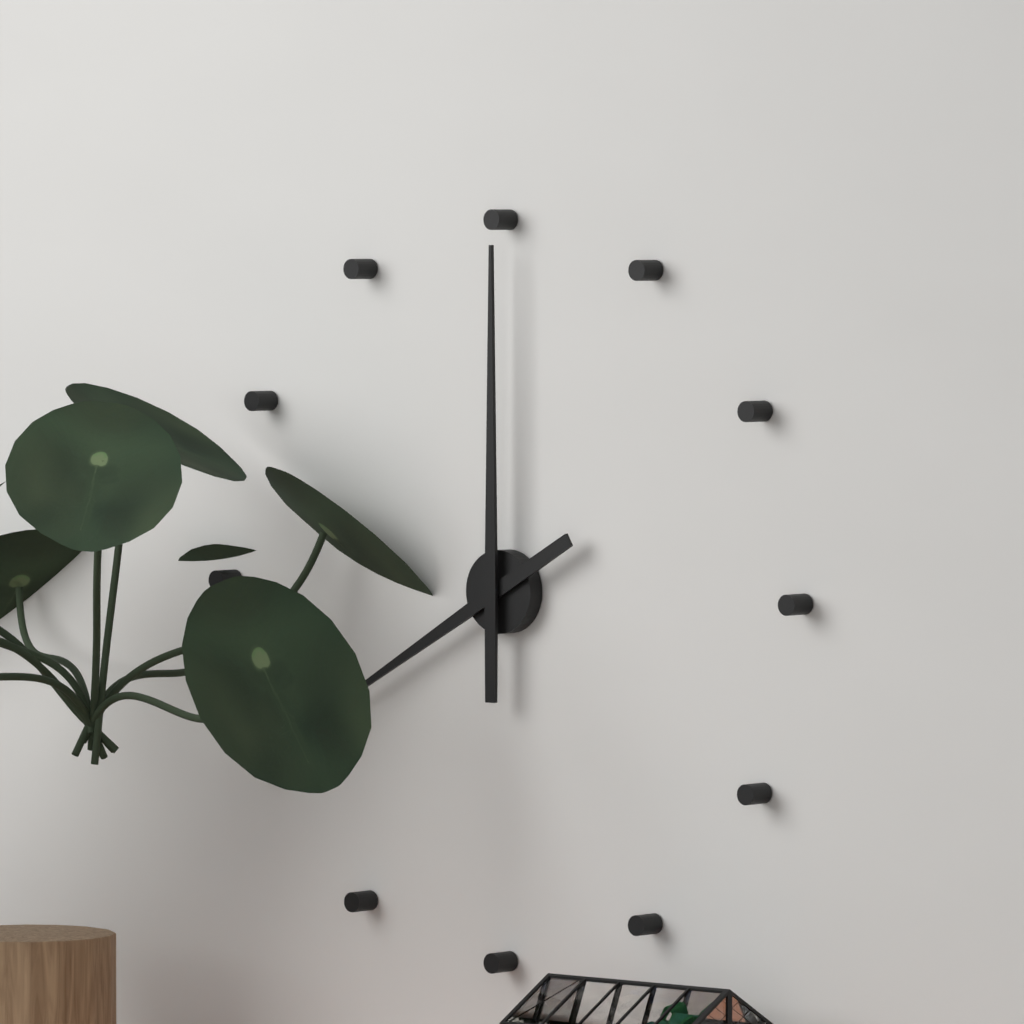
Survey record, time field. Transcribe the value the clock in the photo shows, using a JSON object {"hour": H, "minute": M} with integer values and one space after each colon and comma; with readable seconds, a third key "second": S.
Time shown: {"hour": 8, "minute": 0}
